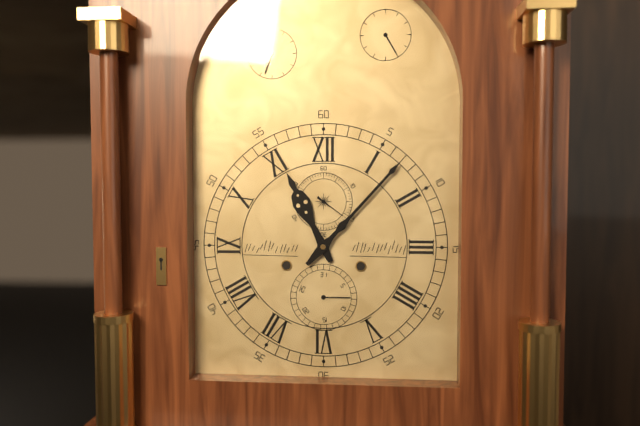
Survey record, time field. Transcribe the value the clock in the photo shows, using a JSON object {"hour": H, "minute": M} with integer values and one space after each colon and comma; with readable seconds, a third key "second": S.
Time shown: {"hour": 11, "minute": 7}
